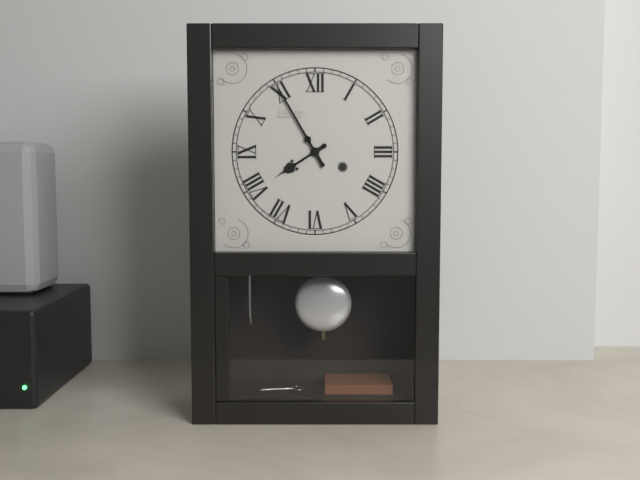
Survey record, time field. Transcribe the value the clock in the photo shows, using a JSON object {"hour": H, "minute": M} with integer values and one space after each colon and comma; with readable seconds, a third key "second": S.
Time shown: {"hour": 7, "minute": 55}
